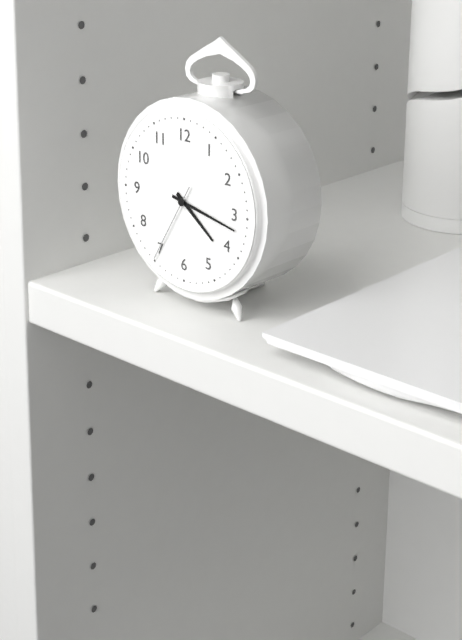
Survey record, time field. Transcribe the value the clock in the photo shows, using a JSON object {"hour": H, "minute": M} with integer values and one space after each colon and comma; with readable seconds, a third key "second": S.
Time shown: {"hour": 4, "minute": 17, "second": 35}
